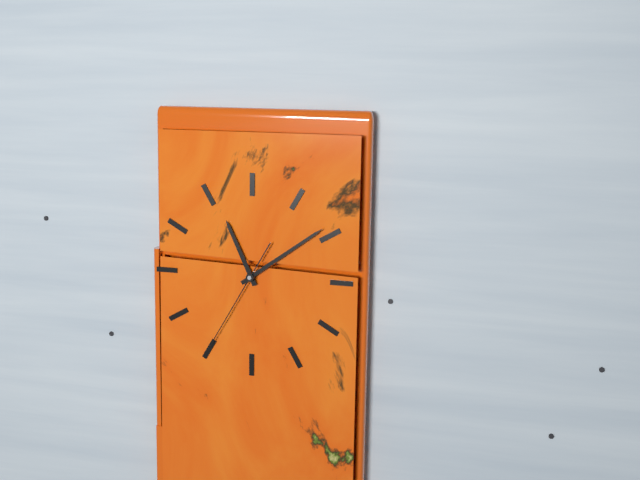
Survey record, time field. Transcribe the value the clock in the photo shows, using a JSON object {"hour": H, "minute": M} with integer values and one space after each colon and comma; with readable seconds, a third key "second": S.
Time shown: {"hour": 11, "minute": 9, "second": 35}
